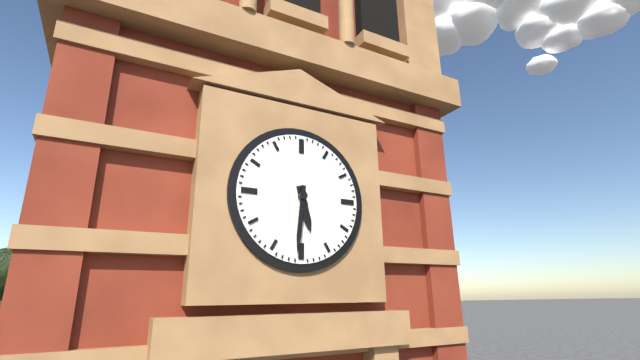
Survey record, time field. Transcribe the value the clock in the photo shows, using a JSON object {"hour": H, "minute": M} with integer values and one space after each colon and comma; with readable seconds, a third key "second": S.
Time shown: {"hour": 5, "minute": 31}
